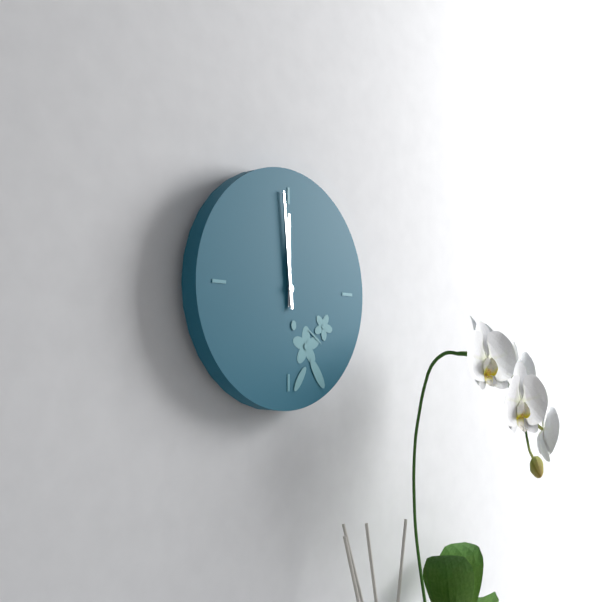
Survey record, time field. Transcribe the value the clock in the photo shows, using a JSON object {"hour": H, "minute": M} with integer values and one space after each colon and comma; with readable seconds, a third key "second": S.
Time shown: {"hour": 11, "minute": 59}
